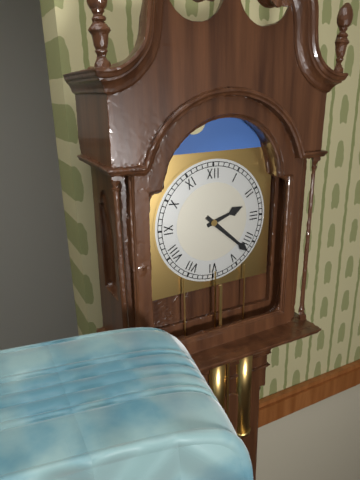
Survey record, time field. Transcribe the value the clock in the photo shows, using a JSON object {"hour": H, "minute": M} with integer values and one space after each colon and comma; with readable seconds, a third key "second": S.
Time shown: {"hour": 2, "minute": 22}
